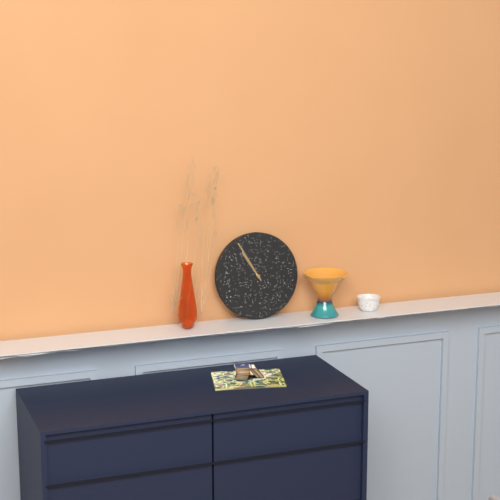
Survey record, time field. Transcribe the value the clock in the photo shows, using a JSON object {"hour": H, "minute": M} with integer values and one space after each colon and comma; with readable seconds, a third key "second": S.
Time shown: {"hour": 10, "minute": 55}
